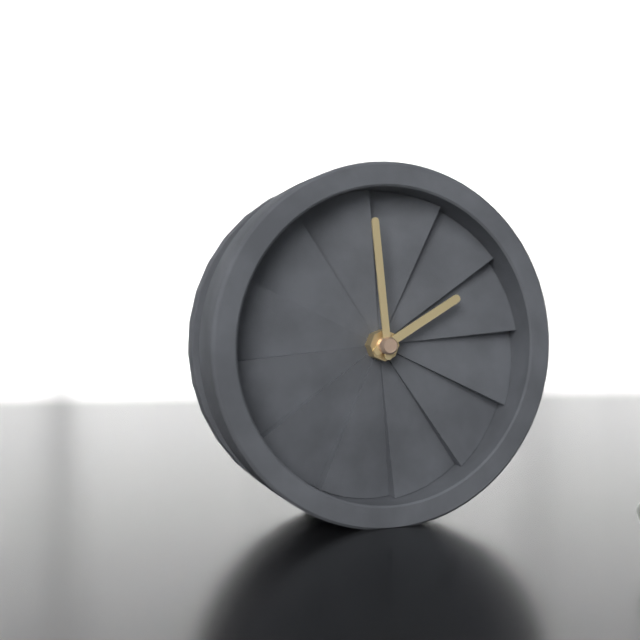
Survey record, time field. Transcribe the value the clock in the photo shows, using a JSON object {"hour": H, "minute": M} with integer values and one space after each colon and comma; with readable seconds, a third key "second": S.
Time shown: {"hour": 1, "minute": 59}
